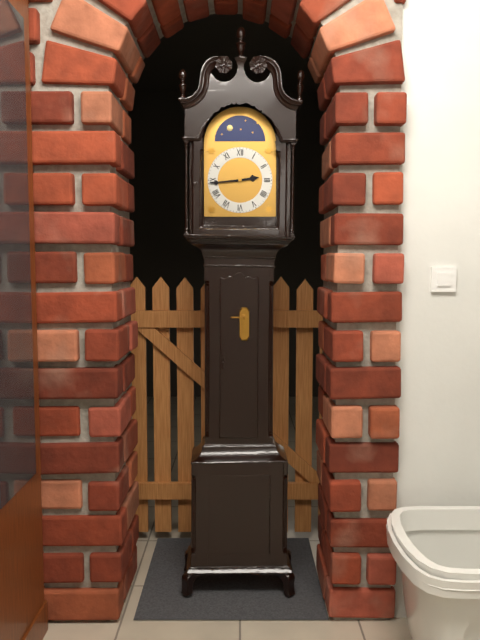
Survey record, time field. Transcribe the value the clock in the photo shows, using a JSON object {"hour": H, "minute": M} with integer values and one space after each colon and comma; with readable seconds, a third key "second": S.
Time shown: {"hour": 2, "minute": 44}
